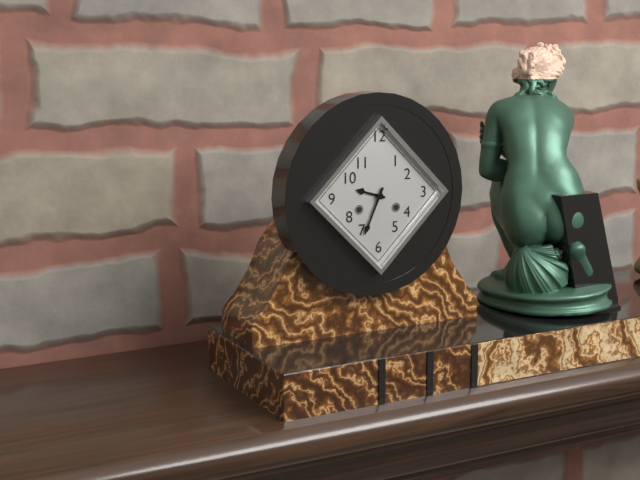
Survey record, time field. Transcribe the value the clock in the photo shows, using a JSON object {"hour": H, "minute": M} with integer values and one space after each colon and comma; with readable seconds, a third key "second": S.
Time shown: {"hour": 9, "minute": 34}
